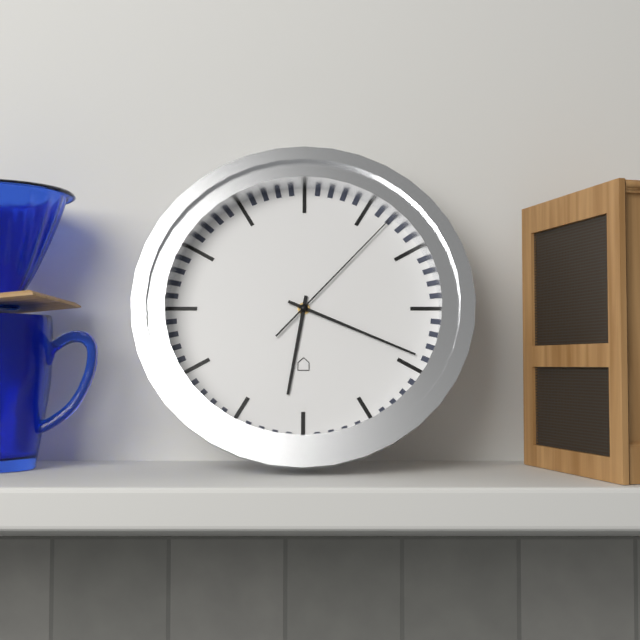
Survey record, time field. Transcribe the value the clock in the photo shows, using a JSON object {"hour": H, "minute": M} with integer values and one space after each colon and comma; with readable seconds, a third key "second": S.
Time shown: {"hour": 6, "minute": 19, "second": 7}
